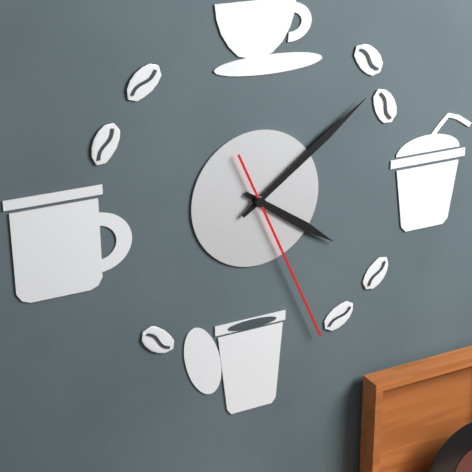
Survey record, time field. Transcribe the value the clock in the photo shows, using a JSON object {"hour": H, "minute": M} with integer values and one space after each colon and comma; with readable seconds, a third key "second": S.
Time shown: {"hour": 4, "minute": 9, "second": 26}
